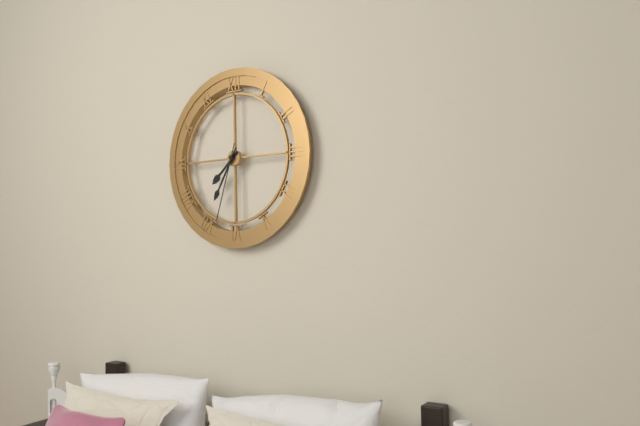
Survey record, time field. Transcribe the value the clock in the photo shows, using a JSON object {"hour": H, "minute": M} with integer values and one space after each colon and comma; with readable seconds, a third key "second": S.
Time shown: {"hour": 7, "minute": 35, "second": 33}
